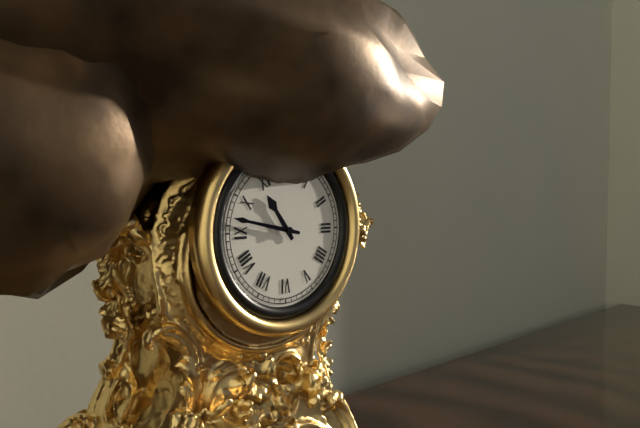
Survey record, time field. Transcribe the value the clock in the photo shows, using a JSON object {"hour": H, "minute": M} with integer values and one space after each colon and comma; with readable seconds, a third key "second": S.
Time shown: {"hour": 10, "minute": 47}
